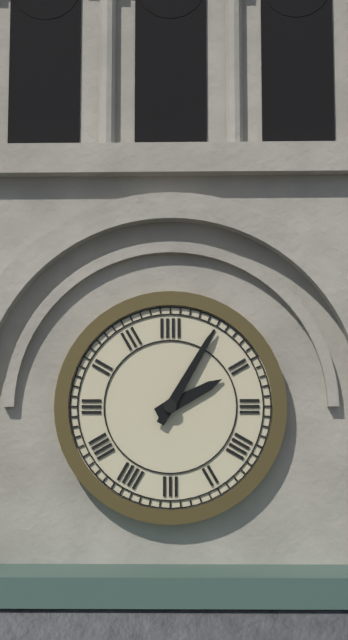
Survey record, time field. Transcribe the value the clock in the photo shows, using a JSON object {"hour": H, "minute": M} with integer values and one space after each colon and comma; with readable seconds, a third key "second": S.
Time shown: {"hour": 2, "minute": 5}
